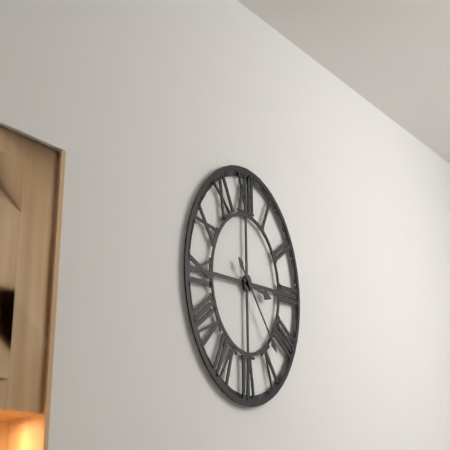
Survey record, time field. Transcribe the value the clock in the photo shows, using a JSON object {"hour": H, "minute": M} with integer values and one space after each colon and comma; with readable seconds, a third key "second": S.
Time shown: {"hour": 3, "minute": 23}
